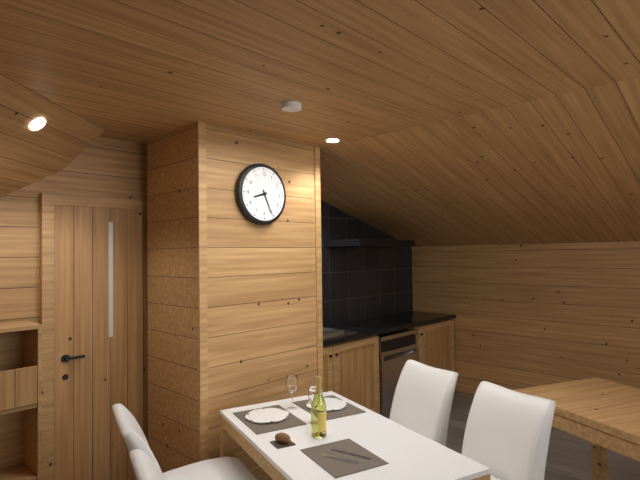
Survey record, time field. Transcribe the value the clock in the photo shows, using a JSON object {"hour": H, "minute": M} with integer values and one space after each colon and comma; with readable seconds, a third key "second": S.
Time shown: {"hour": 8, "minute": 26}
